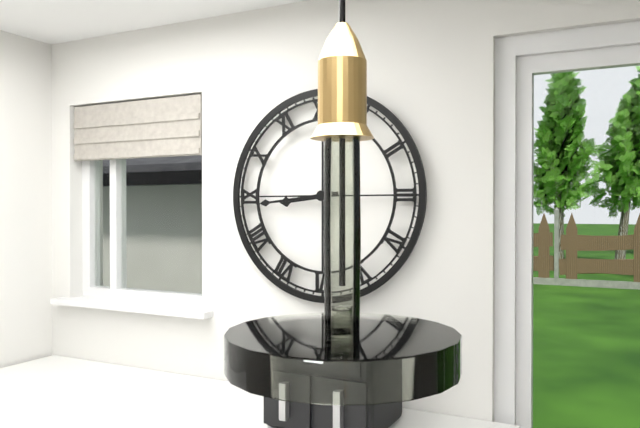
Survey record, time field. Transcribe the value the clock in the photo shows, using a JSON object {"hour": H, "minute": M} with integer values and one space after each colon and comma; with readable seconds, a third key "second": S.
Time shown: {"hour": 8, "minute": 44}
